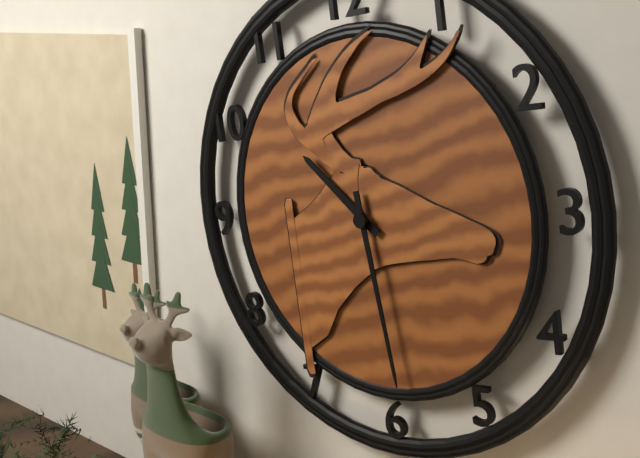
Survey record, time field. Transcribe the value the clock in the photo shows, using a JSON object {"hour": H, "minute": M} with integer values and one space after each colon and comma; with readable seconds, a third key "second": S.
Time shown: {"hour": 10, "minute": 29}
